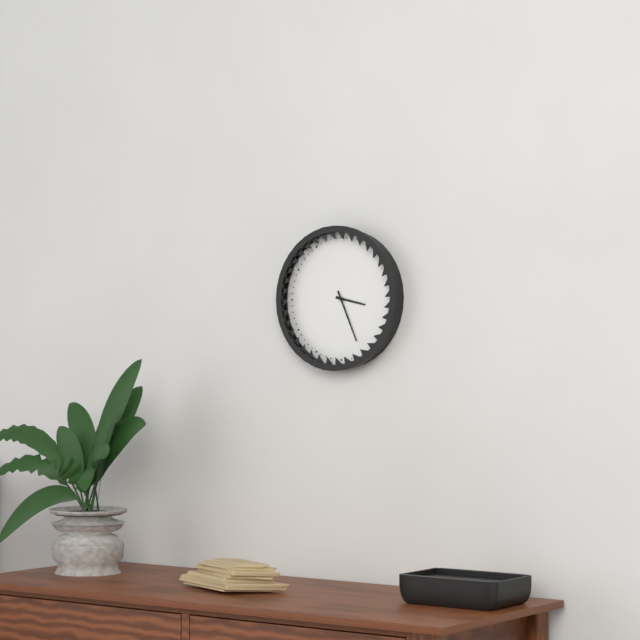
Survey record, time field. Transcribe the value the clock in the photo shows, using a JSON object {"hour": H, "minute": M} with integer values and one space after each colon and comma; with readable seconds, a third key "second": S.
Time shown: {"hour": 3, "minute": 26}
